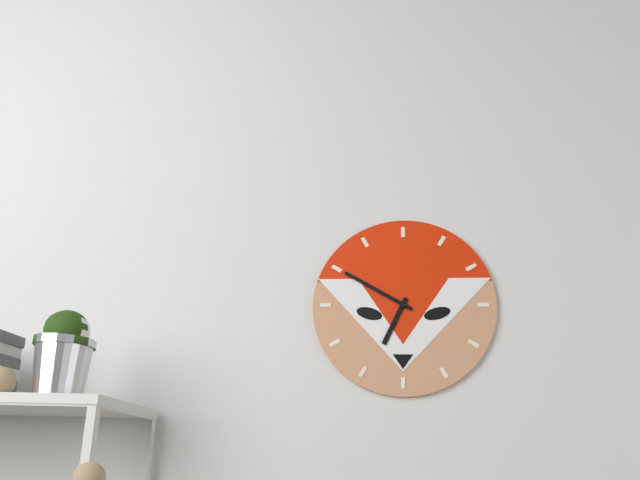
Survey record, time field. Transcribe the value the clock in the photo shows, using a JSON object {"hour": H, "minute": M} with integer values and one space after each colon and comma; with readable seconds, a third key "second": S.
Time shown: {"hour": 6, "minute": 50}
